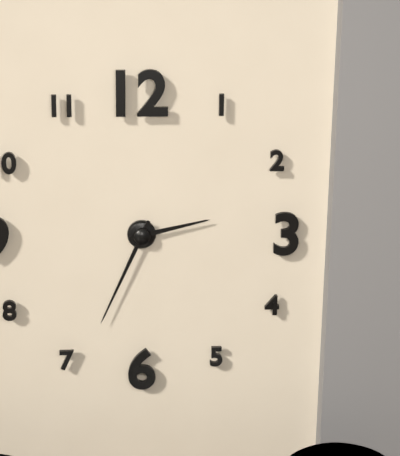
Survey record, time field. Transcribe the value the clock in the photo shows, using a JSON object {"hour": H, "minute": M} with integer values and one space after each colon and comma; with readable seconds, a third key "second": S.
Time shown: {"hour": 2, "minute": 34}
